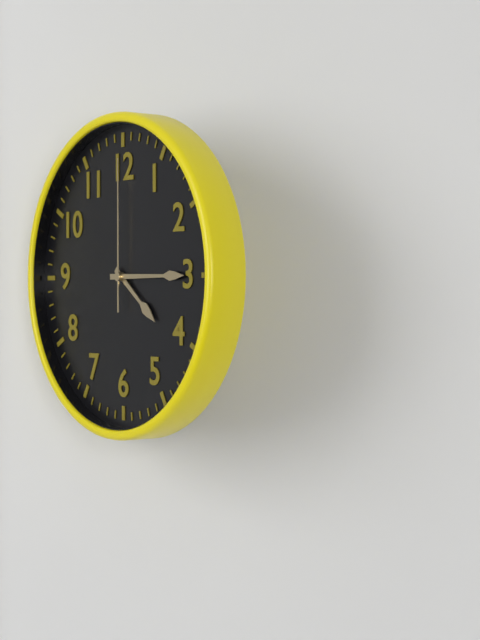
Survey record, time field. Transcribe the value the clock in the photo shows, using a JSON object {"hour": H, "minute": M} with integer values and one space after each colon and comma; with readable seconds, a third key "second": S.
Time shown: {"hour": 4, "minute": 15, "second": 0}
